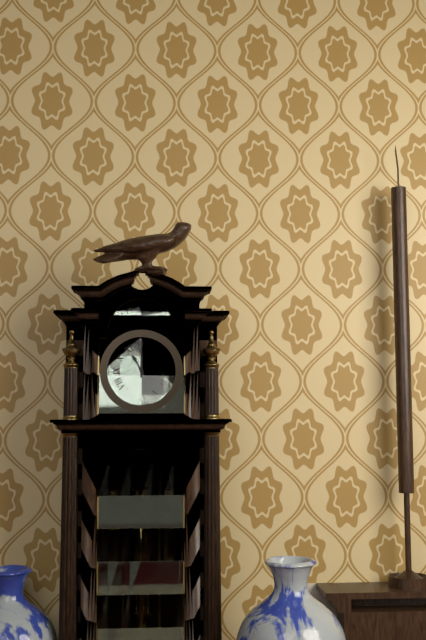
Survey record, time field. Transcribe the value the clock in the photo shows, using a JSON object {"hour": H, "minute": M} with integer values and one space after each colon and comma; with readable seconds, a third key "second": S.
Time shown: {"hour": 11, "minute": 0}
